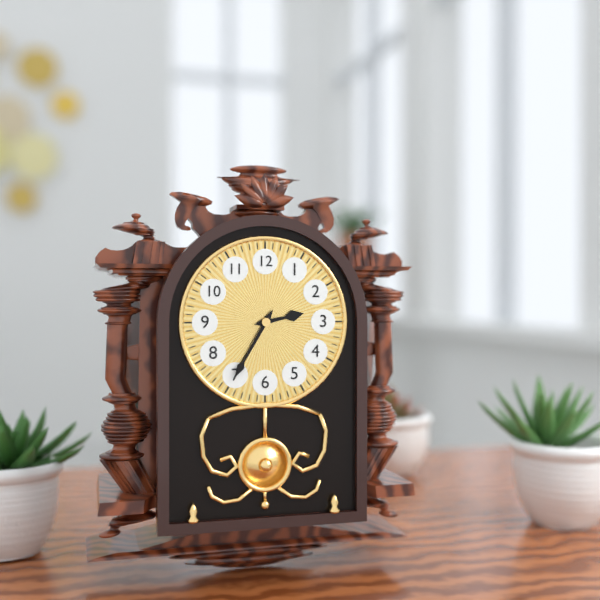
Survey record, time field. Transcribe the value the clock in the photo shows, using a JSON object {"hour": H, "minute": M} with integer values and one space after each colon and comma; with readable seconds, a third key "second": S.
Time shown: {"hour": 2, "minute": 35}
